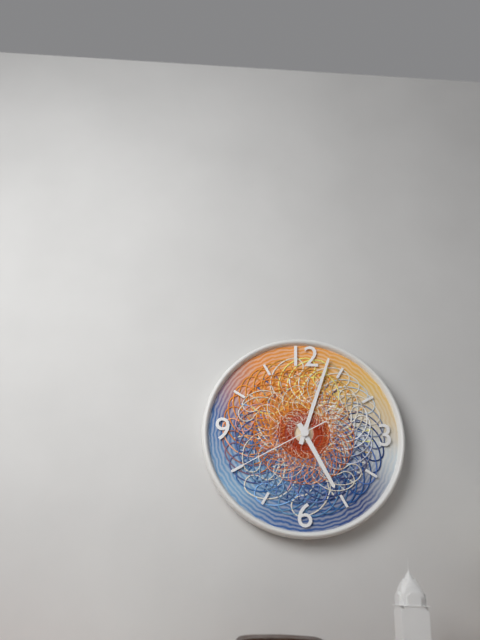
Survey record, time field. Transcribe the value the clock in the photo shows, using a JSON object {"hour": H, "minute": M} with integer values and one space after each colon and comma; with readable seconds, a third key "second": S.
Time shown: {"hour": 5, "minute": 3, "second": 40}
